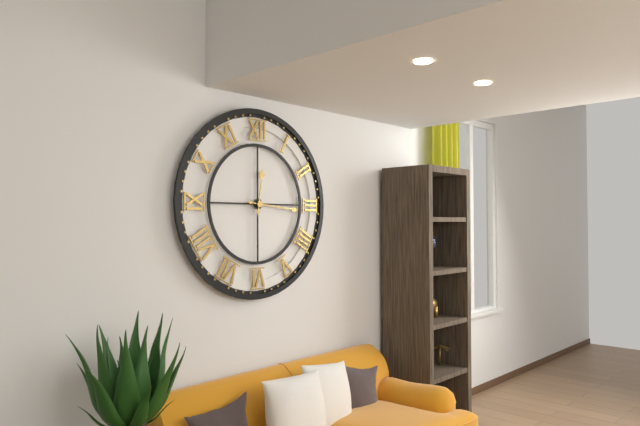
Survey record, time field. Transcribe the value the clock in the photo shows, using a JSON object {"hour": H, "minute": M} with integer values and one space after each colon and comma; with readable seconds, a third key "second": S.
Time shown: {"hour": 12, "minute": 16}
